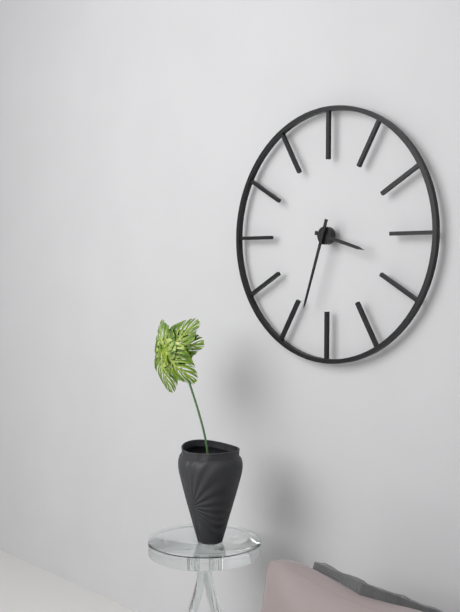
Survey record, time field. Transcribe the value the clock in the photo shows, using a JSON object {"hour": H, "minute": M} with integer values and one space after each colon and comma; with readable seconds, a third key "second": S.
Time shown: {"hour": 3, "minute": 33}
